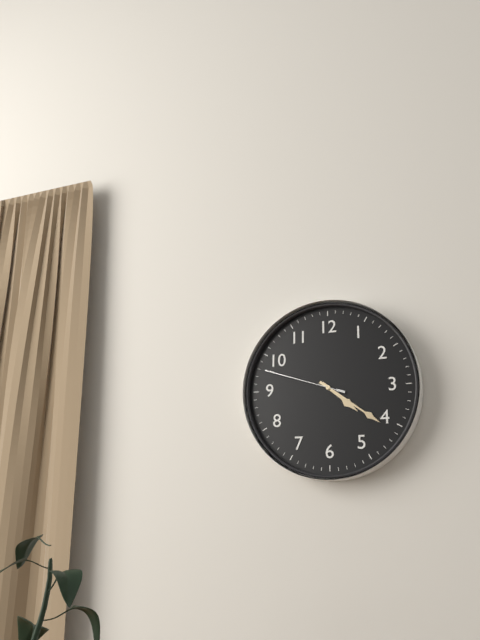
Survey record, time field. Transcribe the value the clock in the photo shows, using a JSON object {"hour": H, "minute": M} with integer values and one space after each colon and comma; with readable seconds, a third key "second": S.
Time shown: {"hour": 4, "minute": 21, "second": 48}
